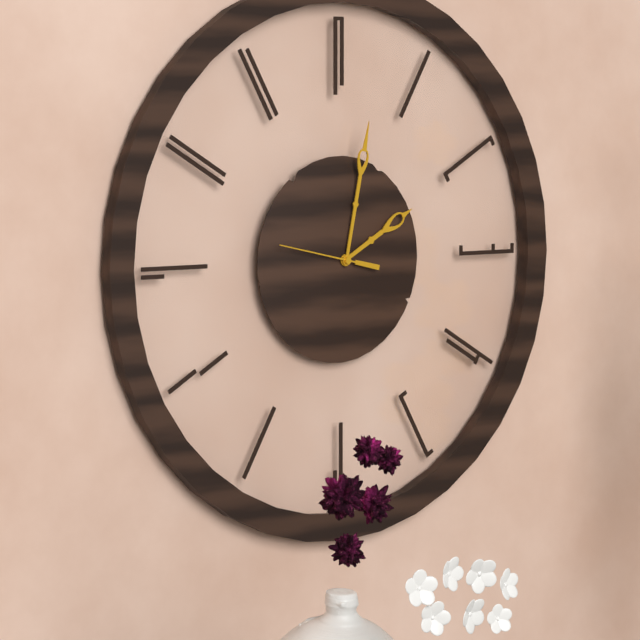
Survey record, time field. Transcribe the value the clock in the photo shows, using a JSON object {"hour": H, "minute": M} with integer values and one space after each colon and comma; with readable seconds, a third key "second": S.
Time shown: {"hour": 2, "minute": 2, "second": 47}
